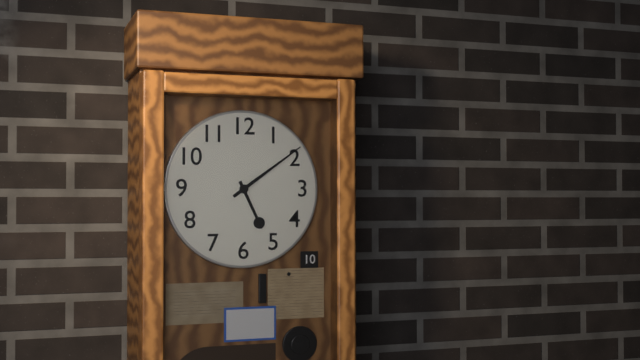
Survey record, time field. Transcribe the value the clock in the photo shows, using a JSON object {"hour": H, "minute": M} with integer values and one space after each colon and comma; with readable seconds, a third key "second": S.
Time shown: {"hour": 5, "minute": 9}
